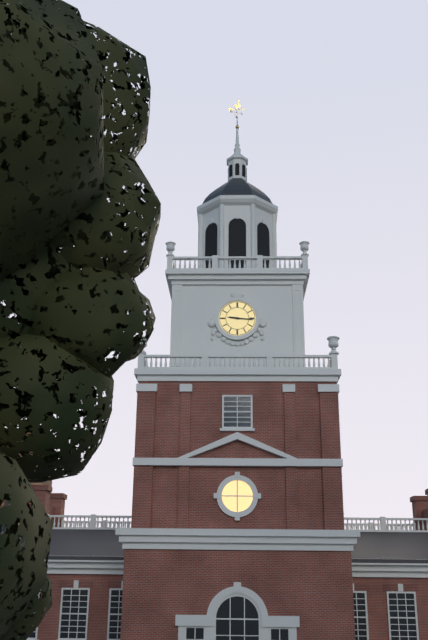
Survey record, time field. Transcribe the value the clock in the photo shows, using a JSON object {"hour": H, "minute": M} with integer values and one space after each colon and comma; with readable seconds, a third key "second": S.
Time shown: {"hour": 9, "minute": 16}
